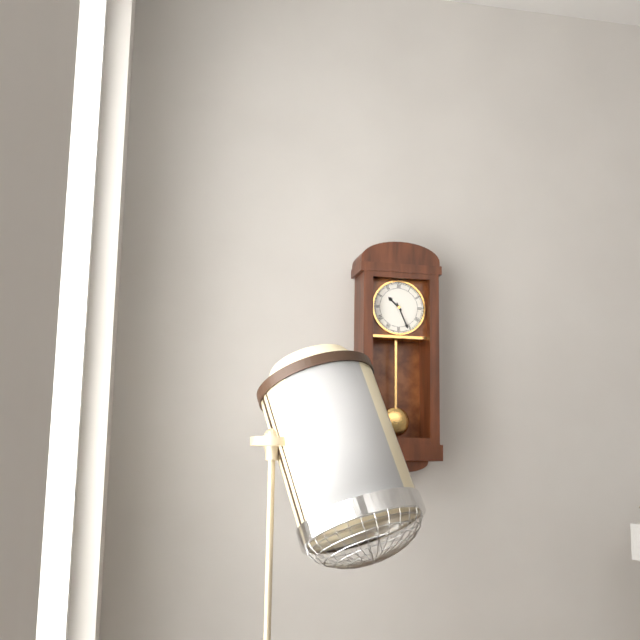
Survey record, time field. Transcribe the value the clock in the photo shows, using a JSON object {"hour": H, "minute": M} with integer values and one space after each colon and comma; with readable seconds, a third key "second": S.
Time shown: {"hour": 10, "minute": 26}
